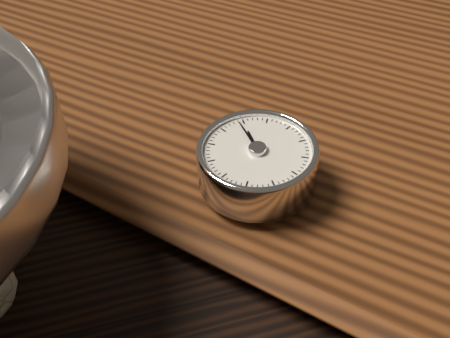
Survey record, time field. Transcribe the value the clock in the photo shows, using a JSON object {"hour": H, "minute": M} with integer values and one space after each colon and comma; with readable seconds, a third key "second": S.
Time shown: {"hour": 11, "minute": 59}
